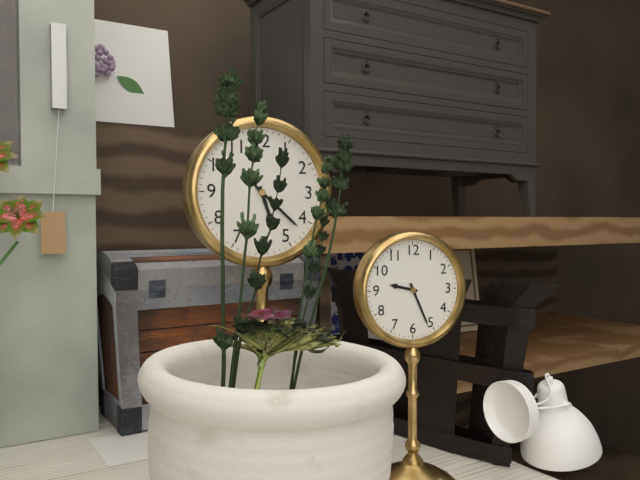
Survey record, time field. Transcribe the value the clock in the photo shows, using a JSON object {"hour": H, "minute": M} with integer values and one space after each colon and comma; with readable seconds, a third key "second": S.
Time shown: {"hour": 5, "minute": 22}
